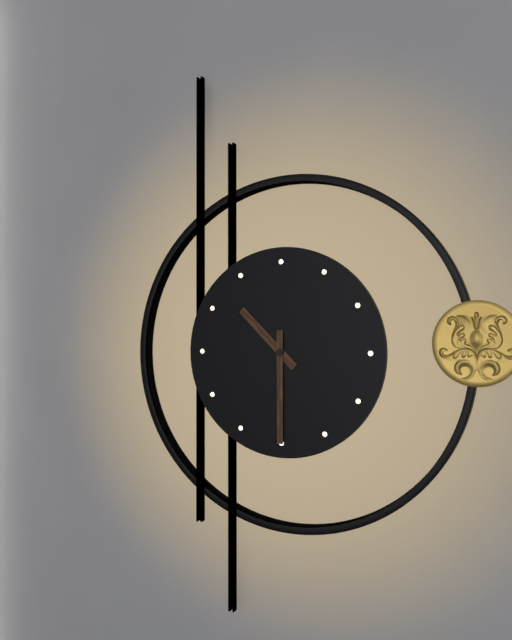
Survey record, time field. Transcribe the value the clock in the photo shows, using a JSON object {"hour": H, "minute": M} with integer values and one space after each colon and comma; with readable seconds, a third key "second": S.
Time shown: {"hour": 10, "minute": 30}
